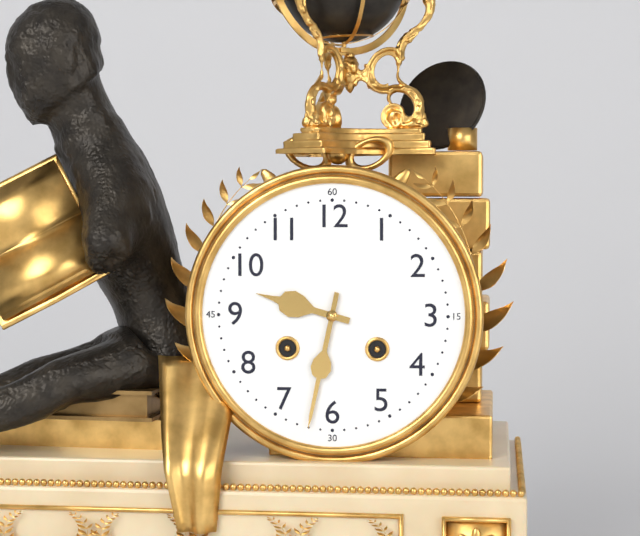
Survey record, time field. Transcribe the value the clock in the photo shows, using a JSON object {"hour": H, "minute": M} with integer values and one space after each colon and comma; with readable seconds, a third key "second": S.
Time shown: {"hour": 9, "minute": 32}
